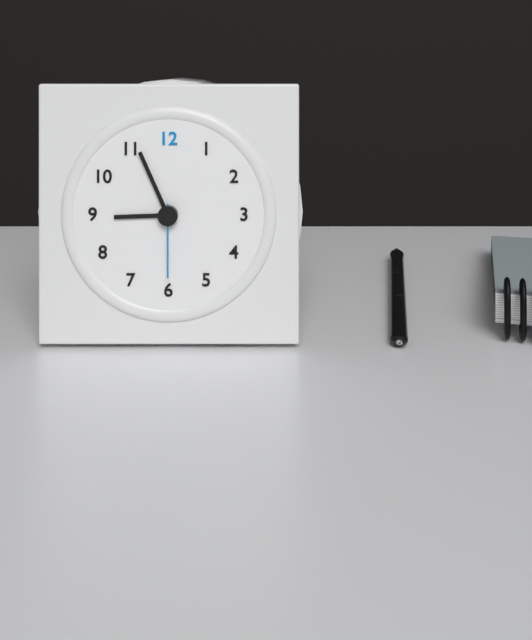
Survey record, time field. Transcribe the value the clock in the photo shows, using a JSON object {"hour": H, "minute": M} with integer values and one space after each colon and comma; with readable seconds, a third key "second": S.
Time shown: {"hour": 8, "minute": 56, "second": 30}
